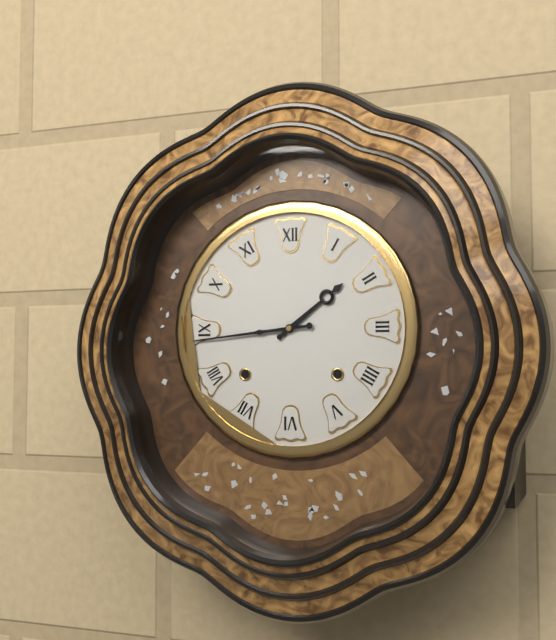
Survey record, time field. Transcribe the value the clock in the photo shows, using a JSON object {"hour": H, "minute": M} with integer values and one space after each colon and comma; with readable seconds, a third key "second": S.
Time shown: {"hour": 1, "minute": 44}
